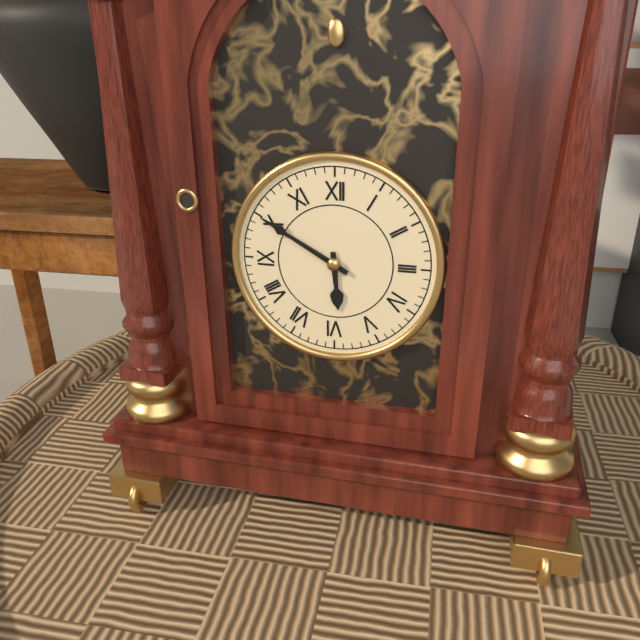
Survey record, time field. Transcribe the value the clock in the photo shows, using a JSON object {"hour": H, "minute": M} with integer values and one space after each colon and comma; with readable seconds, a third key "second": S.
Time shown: {"hour": 5, "minute": 50}
